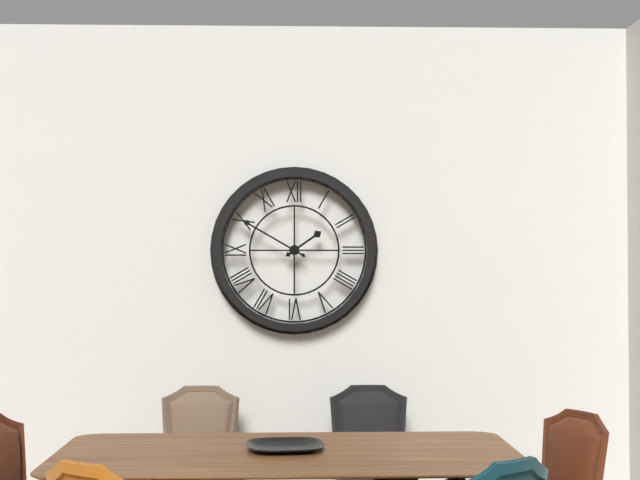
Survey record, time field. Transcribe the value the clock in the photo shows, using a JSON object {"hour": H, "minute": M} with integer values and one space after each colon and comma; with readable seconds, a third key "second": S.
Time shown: {"hour": 1, "minute": 50}
